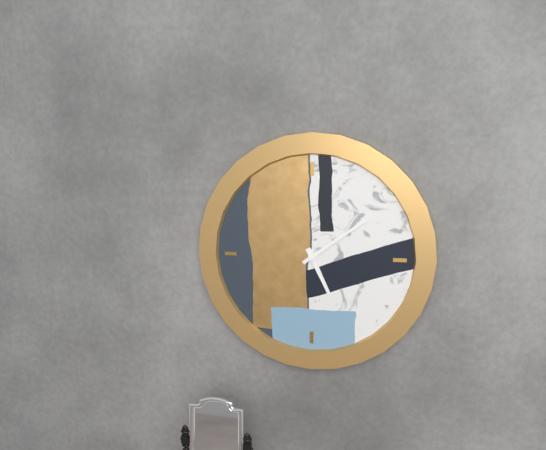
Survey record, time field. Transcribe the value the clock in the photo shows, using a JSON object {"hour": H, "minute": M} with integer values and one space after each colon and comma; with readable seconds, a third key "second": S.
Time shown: {"hour": 5, "minute": 9}
